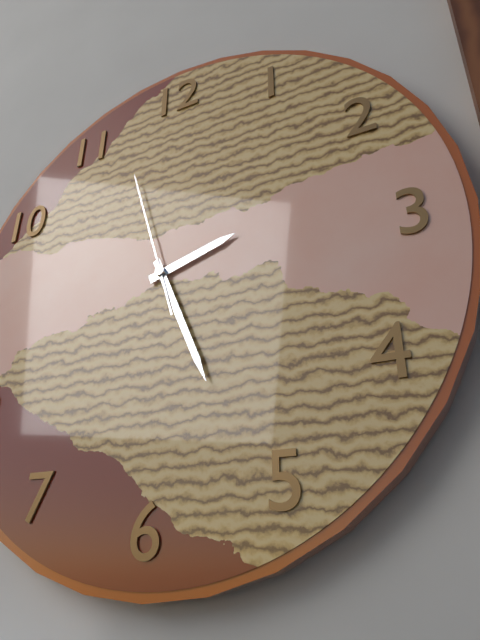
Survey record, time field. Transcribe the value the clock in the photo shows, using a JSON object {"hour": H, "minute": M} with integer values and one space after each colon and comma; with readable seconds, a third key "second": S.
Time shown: {"hour": 2, "minute": 26, "second": 57}
